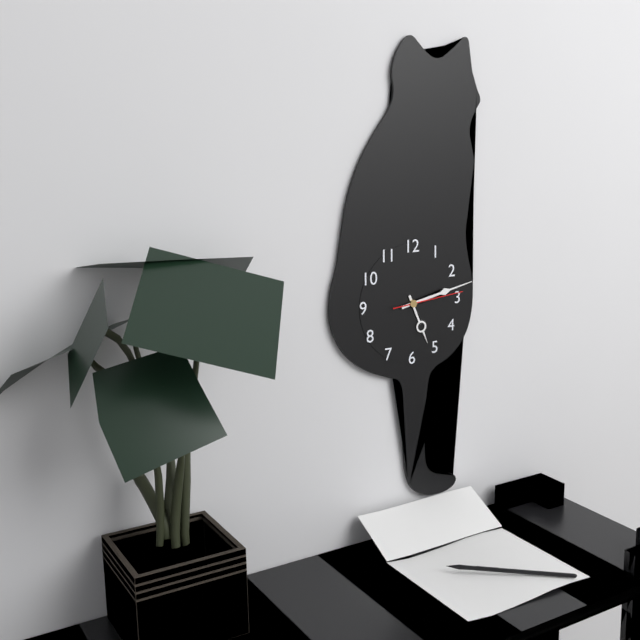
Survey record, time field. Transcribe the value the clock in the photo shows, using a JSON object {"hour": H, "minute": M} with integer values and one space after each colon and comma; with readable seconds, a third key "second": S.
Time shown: {"hour": 5, "minute": 13, "second": 14}
